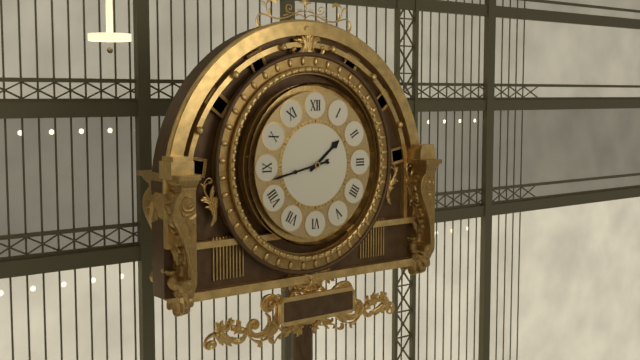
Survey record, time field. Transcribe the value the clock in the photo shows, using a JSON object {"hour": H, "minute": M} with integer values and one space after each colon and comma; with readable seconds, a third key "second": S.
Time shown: {"hour": 1, "minute": 43}
